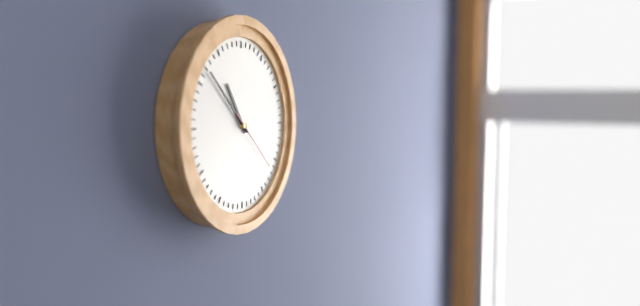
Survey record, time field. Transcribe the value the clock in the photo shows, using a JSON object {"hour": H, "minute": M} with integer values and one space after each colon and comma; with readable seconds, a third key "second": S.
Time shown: {"hour": 10, "minute": 52, "second": 22}
